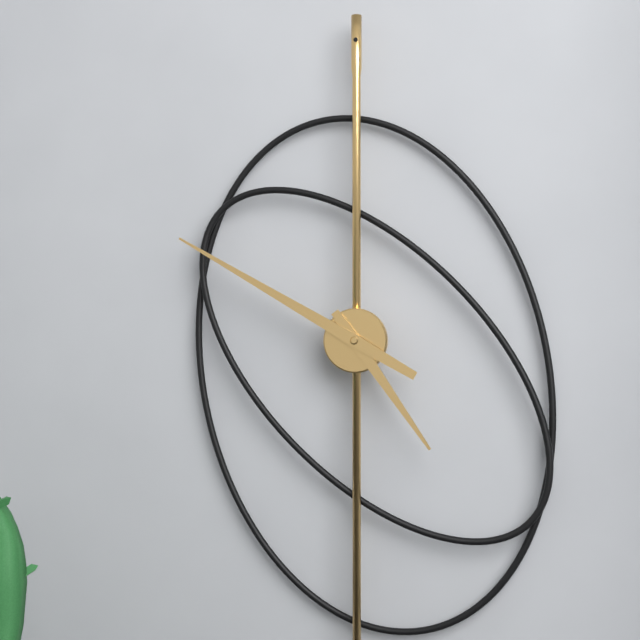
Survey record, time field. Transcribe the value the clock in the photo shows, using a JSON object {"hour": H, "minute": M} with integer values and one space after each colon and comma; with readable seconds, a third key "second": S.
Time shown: {"hour": 4, "minute": 50}
